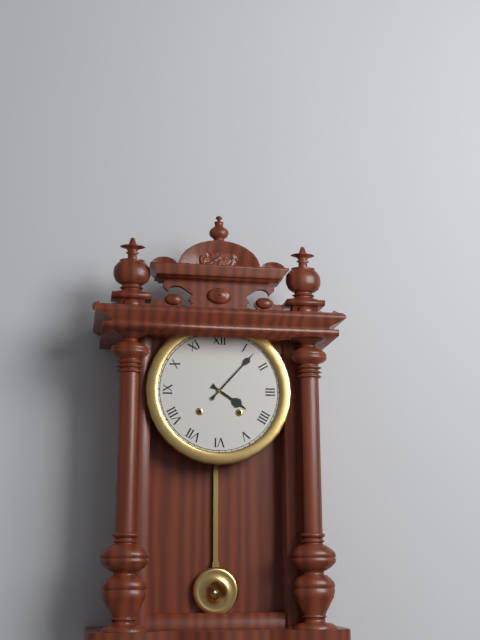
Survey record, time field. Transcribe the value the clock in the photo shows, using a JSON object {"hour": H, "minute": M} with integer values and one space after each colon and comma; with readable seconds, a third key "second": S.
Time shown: {"hour": 4, "minute": 7}
